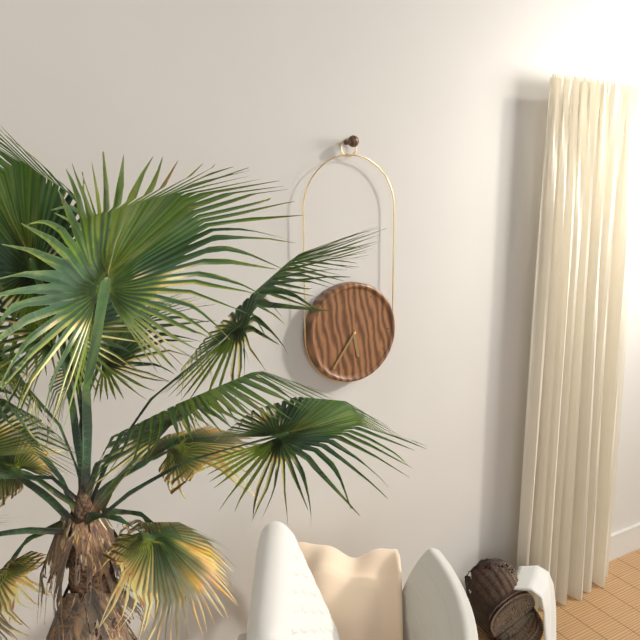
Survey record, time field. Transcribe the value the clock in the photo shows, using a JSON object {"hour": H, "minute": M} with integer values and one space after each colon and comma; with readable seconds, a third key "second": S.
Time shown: {"hour": 5, "minute": 36}
